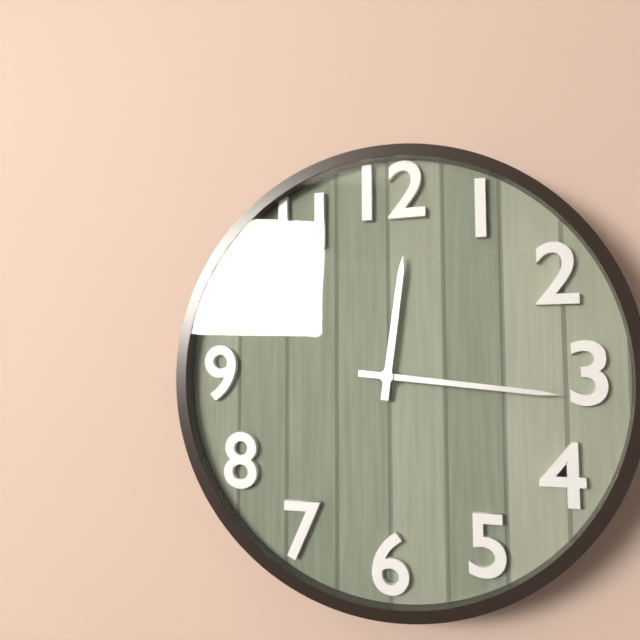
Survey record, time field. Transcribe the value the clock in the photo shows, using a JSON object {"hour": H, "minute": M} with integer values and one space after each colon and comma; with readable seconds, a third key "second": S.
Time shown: {"hour": 12, "minute": 16}
